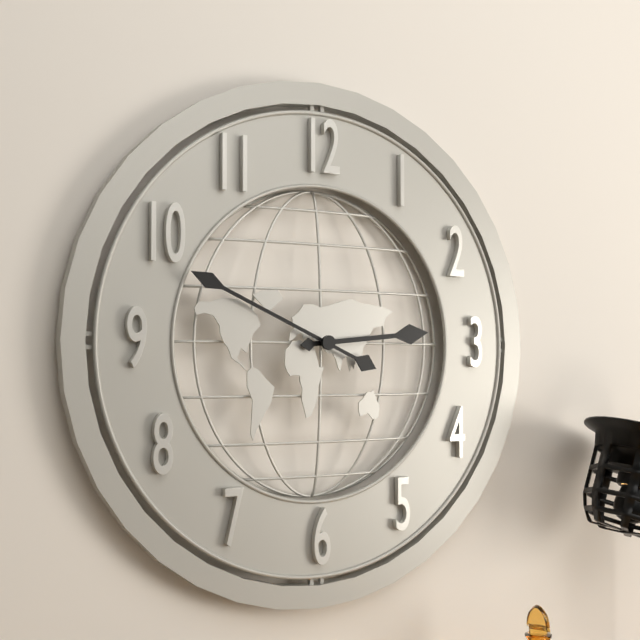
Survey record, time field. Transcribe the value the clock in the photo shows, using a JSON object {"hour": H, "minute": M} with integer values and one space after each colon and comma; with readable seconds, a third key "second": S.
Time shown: {"hour": 2, "minute": 49}
